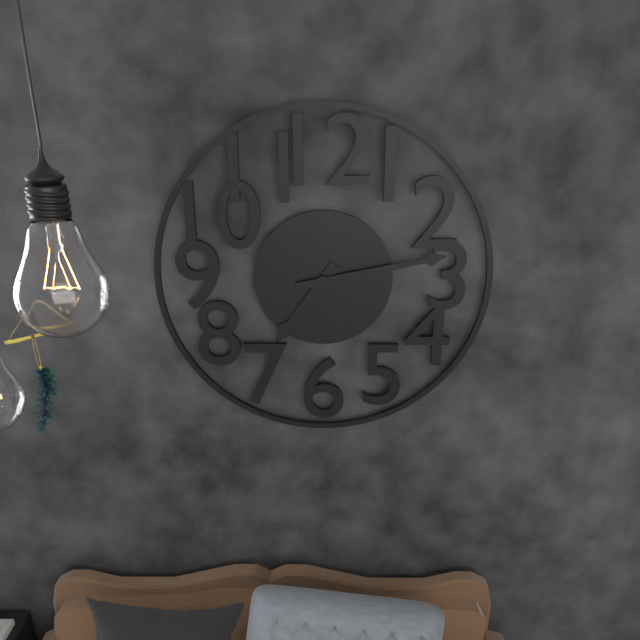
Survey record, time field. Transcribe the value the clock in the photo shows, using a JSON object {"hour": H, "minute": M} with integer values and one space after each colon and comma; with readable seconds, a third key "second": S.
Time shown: {"hour": 7, "minute": 13}
